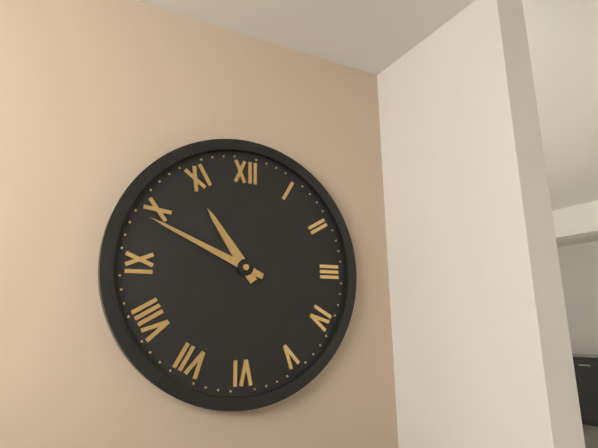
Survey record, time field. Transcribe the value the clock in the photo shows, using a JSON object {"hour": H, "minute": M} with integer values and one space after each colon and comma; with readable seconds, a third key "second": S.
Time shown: {"hour": 10, "minute": 49}
